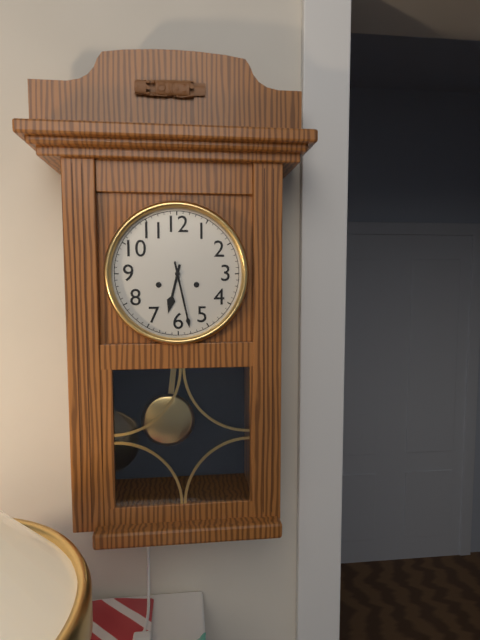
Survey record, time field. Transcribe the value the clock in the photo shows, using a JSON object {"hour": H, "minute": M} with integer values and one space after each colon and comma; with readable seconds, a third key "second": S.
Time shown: {"hour": 6, "minute": 28}
